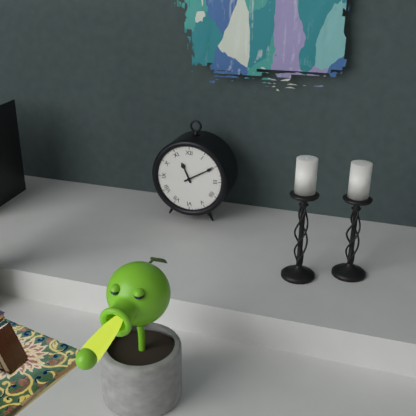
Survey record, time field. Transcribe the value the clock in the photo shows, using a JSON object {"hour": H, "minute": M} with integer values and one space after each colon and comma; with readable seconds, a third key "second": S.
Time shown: {"hour": 11, "minute": 10}
